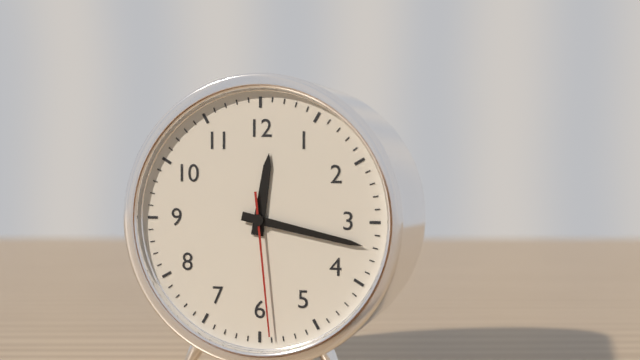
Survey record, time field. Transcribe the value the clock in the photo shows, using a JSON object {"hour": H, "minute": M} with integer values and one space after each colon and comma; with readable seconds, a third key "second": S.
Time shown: {"hour": 12, "minute": 17, "second": 29}
